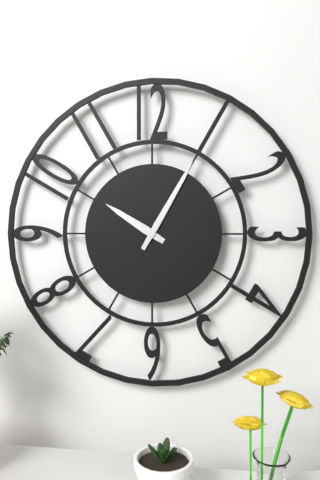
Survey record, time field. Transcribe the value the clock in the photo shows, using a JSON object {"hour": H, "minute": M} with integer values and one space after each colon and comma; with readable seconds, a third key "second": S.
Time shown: {"hour": 10, "minute": 5}
